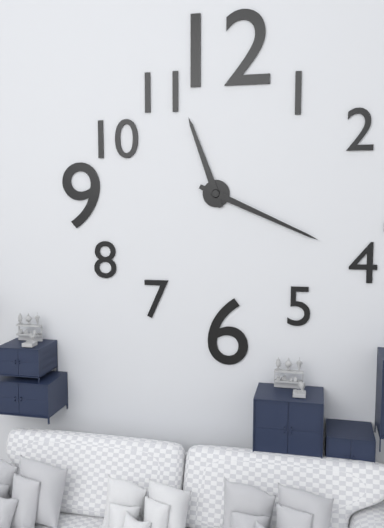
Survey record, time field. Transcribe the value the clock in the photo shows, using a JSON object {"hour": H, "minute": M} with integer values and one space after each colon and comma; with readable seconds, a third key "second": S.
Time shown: {"hour": 11, "minute": 19}
